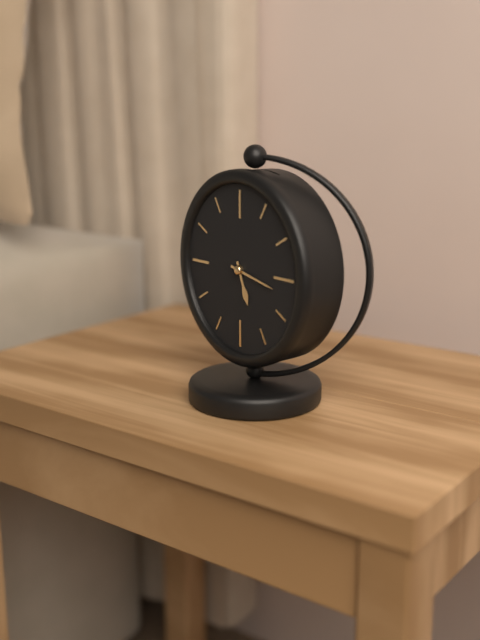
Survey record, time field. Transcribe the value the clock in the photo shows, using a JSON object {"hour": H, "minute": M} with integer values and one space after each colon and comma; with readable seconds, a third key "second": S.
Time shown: {"hour": 5, "minute": 17}
